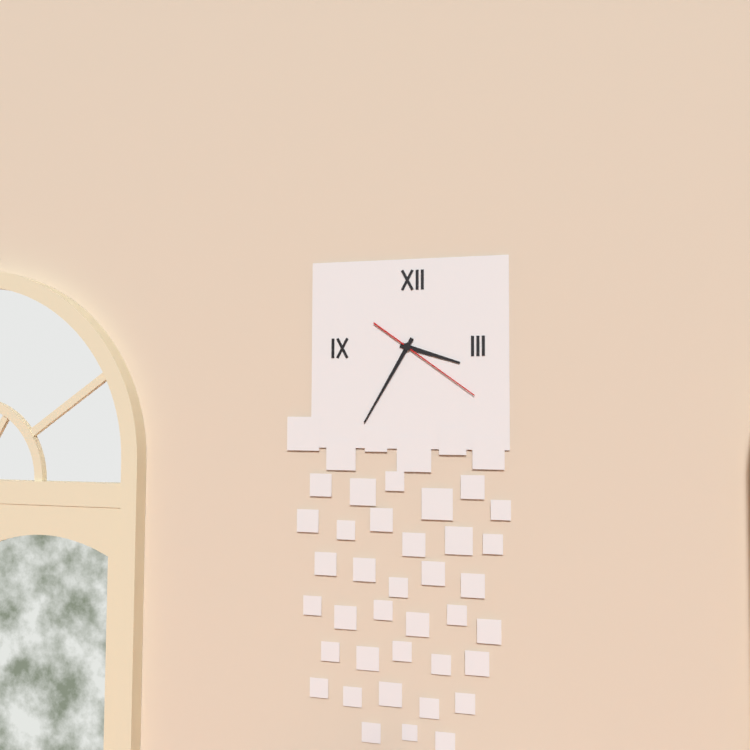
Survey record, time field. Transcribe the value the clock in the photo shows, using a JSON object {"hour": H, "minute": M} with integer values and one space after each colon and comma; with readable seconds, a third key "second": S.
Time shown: {"hour": 3, "minute": 35, "second": 21}
